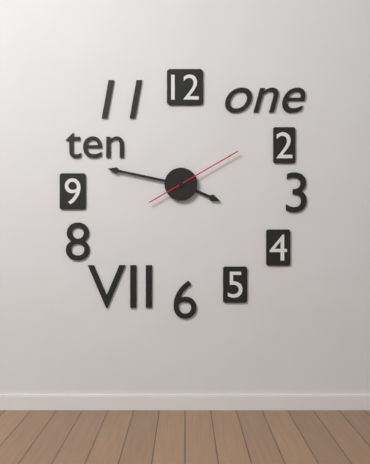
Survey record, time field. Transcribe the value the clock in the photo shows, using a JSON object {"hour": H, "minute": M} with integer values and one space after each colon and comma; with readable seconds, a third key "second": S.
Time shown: {"hour": 3, "minute": 47, "second": 10}
